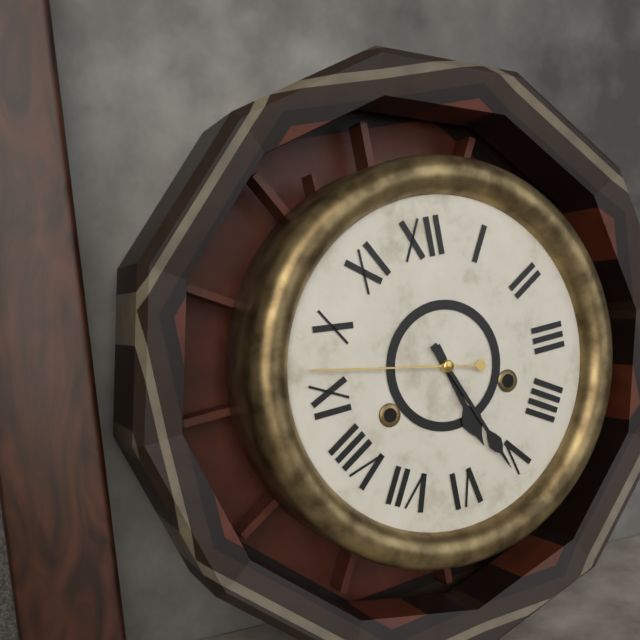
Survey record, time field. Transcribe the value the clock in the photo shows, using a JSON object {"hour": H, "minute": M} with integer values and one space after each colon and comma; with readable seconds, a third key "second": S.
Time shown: {"hour": 5, "minute": 26, "second": 47}
